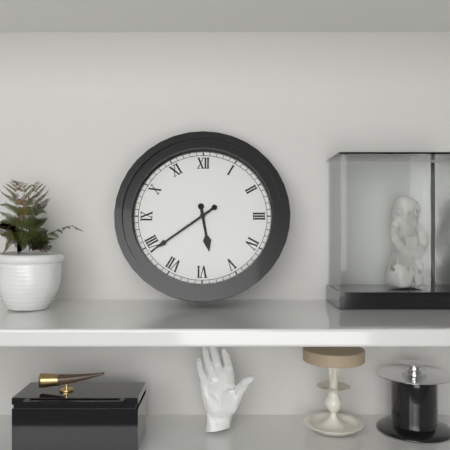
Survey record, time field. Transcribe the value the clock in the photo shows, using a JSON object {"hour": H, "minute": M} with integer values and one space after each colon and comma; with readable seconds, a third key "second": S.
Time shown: {"hour": 5, "minute": 39}
